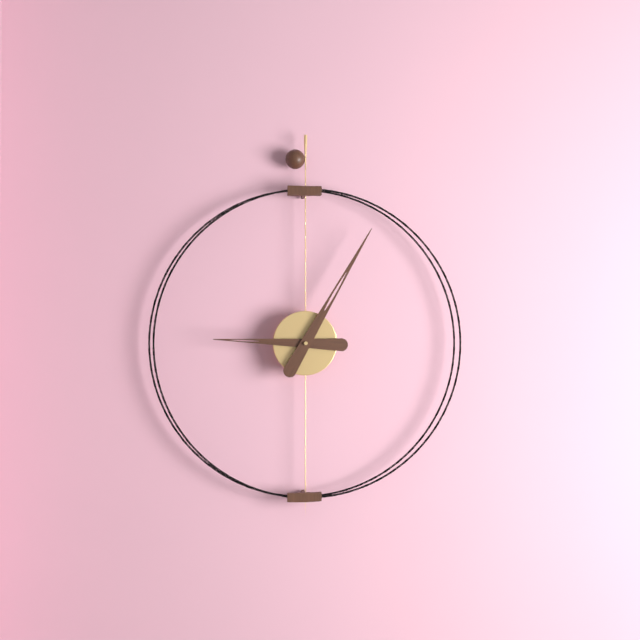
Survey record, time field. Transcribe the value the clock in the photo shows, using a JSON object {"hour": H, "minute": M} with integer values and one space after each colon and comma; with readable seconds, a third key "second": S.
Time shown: {"hour": 9, "minute": 5}
